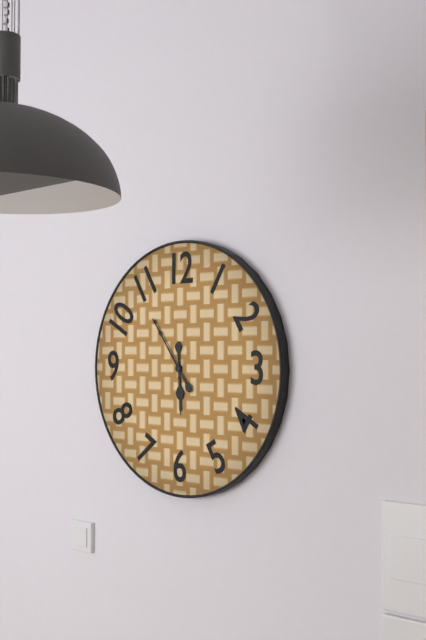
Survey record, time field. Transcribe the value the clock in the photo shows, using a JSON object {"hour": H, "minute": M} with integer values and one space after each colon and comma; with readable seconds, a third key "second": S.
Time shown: {"hour": 5, "minute": 54}
